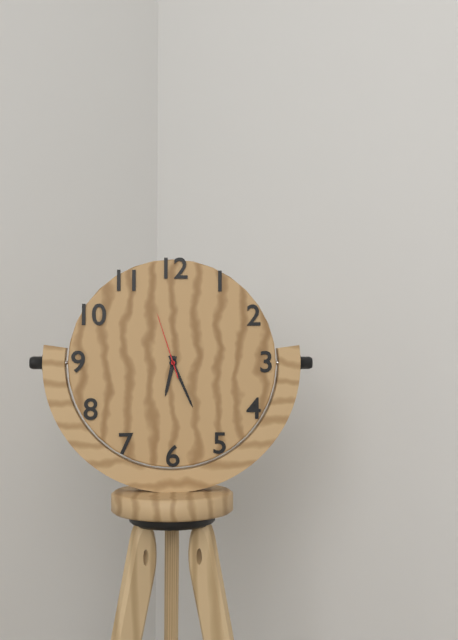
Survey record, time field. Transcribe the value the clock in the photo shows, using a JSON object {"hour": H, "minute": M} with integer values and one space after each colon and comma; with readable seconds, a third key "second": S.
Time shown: {"hour": 6, "minute": 26, "second": 57}
